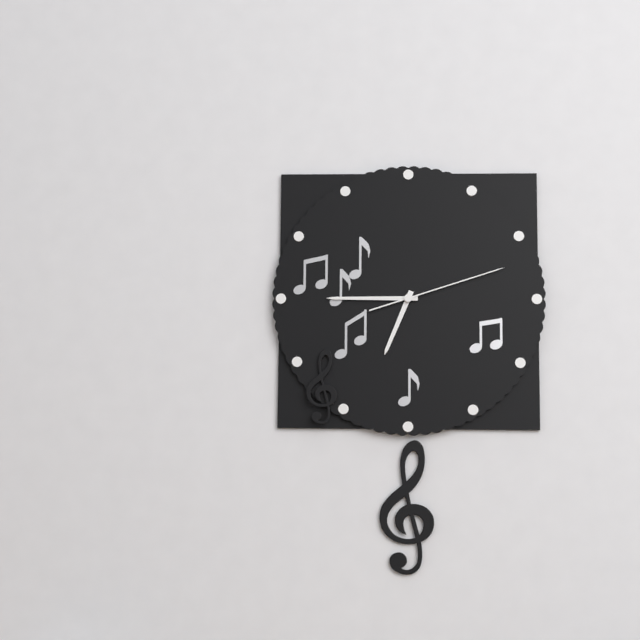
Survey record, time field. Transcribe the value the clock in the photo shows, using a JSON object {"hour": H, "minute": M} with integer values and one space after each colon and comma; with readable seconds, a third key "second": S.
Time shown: {"hour": 6, "minute": 45, "second": 12}
